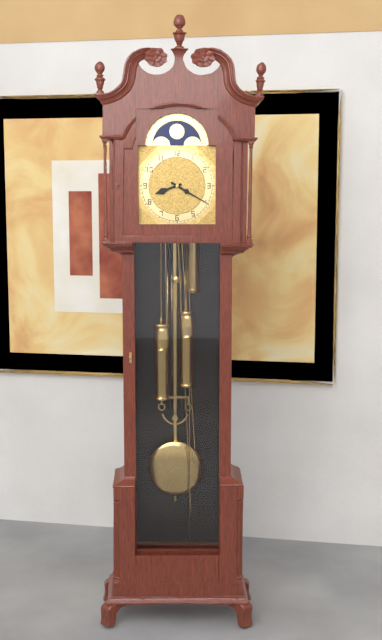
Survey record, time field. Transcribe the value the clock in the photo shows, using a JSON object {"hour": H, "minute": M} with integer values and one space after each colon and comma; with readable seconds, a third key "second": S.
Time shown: {"hour": 8, "minute": 20}
